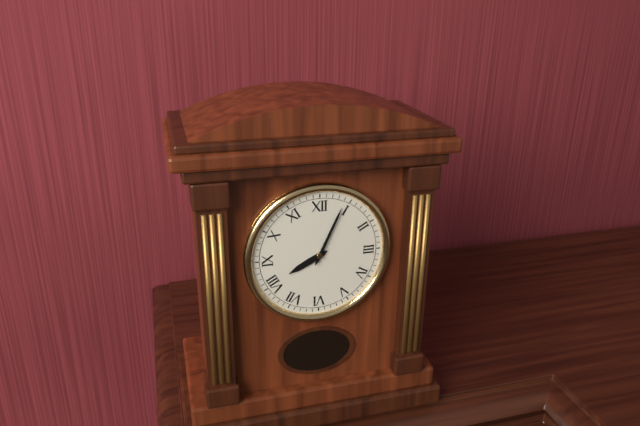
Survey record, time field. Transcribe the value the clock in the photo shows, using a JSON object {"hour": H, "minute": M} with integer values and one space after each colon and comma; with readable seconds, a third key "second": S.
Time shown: {"hour": 8, "minute": 4}
